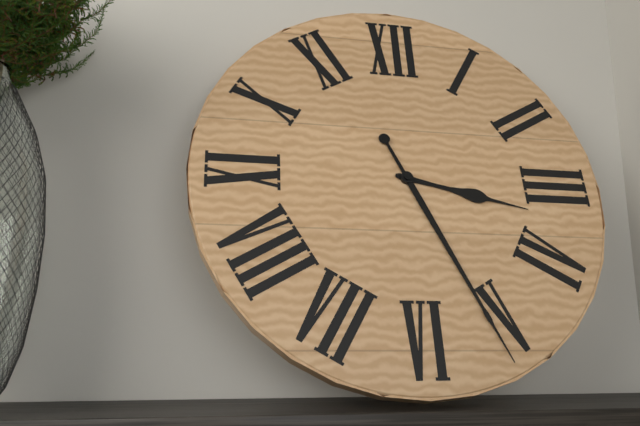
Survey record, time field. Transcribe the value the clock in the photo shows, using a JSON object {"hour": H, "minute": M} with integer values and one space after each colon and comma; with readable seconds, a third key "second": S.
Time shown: {"hour": 3, "minute": 26}
